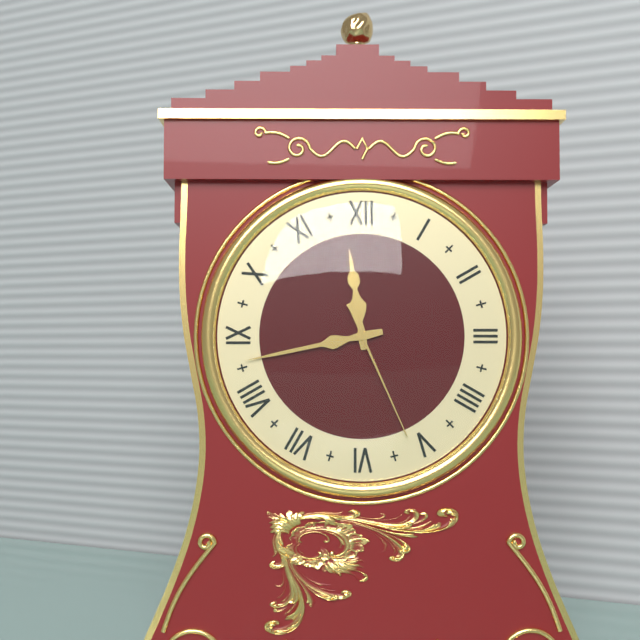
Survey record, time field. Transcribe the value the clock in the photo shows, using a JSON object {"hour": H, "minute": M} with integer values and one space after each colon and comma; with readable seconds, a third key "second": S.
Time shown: {"hour": 11, "minute": 43, "second": 26}
